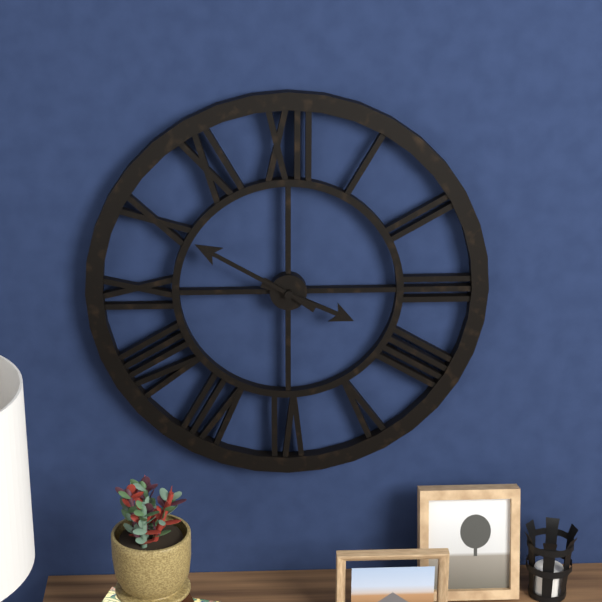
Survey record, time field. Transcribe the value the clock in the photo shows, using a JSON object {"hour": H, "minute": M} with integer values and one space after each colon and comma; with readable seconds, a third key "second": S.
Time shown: {"hour": 3, "minute": 50}
